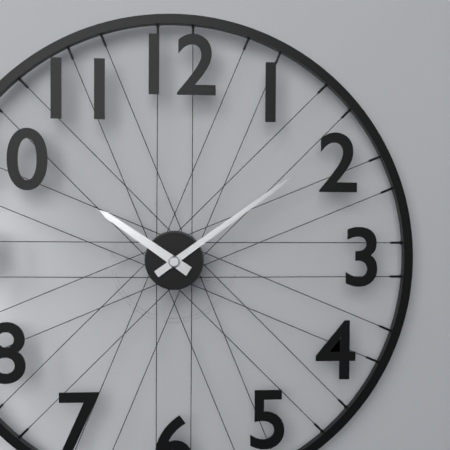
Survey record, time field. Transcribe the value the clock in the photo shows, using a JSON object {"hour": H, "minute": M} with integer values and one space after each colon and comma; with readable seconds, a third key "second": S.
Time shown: {"hour": 10, "minute": 9}
